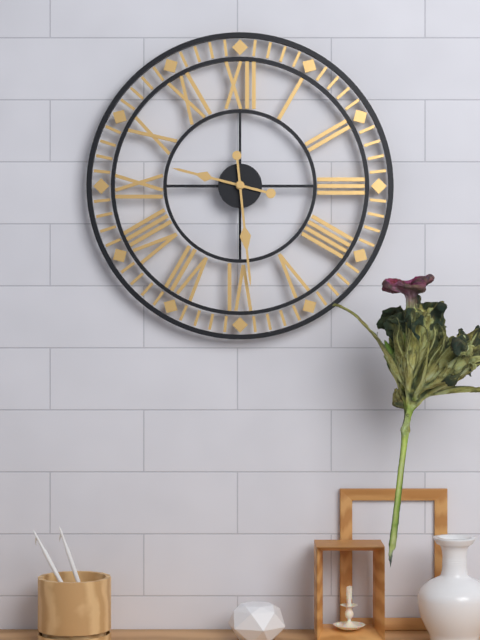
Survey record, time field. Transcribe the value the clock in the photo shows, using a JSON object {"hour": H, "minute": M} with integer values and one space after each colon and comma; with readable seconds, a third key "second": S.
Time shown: {"hour": 9, "minute": 29}
